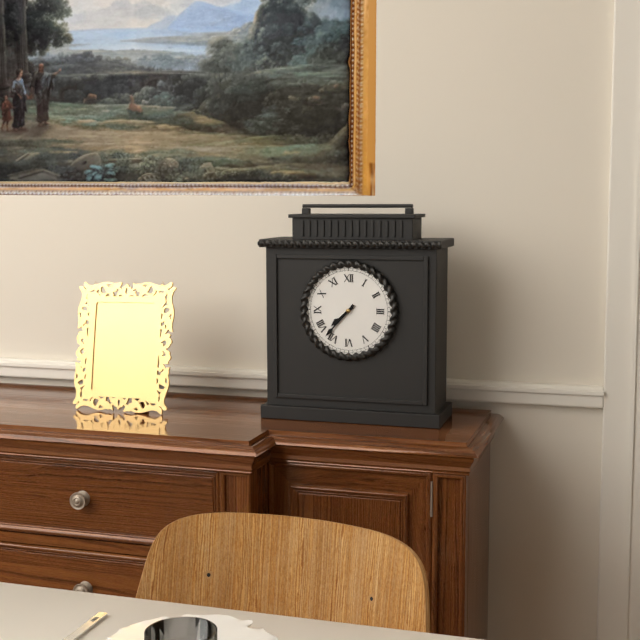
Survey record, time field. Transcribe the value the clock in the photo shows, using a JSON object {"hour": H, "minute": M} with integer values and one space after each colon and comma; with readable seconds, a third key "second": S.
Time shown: {"hour": 7, "minute": 37}
